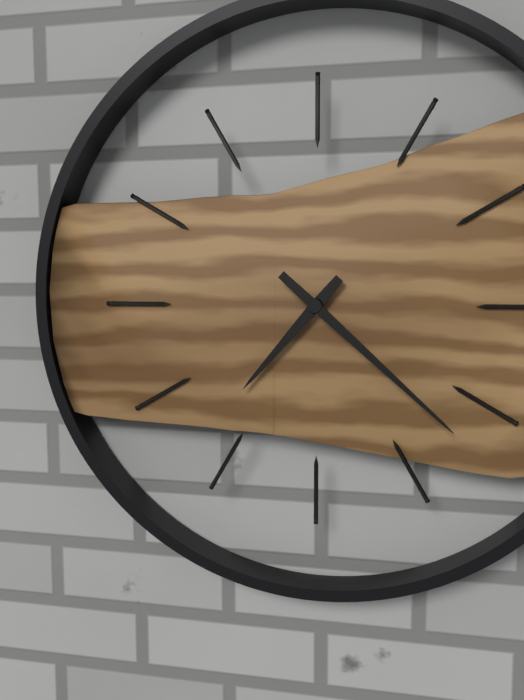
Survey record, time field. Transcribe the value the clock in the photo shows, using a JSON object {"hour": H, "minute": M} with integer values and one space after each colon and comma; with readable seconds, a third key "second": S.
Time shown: {"hour": 7, "minute": 22}
